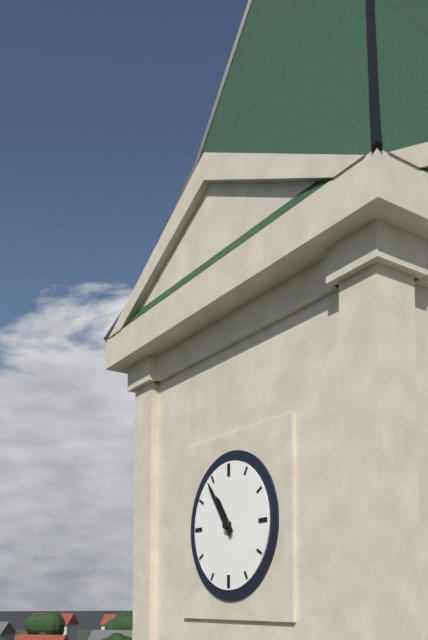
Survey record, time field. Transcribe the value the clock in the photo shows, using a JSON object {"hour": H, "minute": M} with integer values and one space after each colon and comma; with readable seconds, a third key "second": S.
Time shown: {"hour": 10, "minute": 54}
